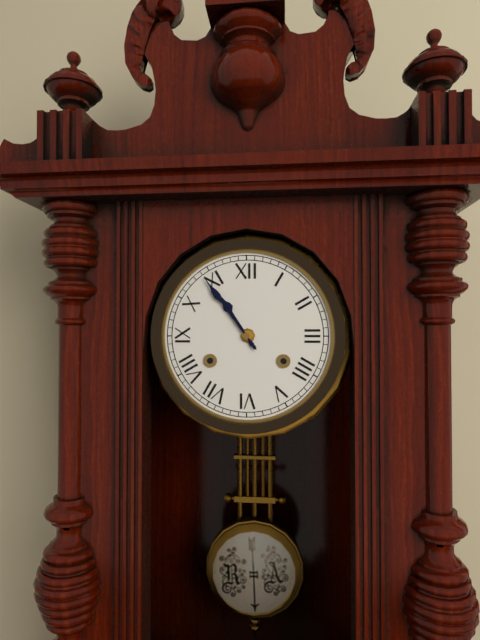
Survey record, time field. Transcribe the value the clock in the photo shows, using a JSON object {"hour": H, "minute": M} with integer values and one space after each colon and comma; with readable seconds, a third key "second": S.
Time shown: {"hour": 10, "minute": 54}
